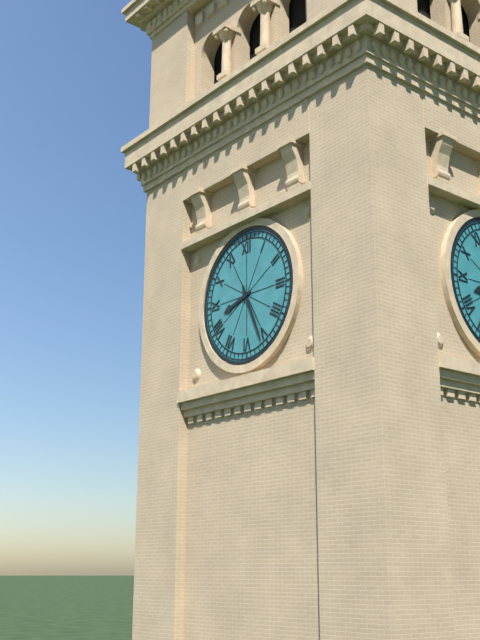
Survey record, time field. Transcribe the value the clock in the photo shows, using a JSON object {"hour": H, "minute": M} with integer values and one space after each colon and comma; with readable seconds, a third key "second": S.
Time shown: {"hour": 8, "minute": 26}
